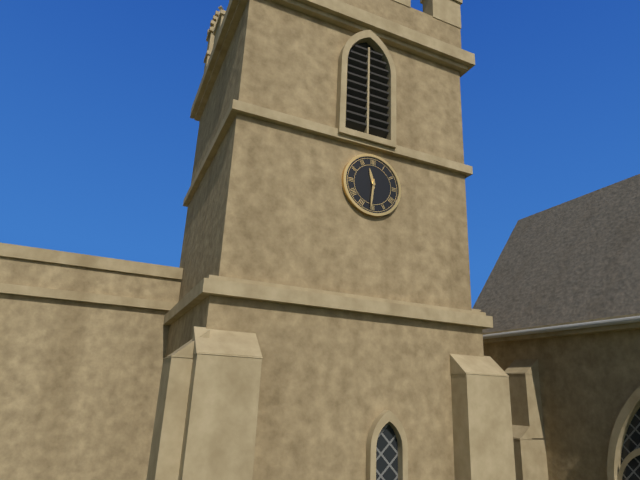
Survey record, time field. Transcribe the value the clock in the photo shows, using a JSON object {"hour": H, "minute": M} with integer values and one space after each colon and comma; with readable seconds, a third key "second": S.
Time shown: {"hour": 11, "minute": 31}
